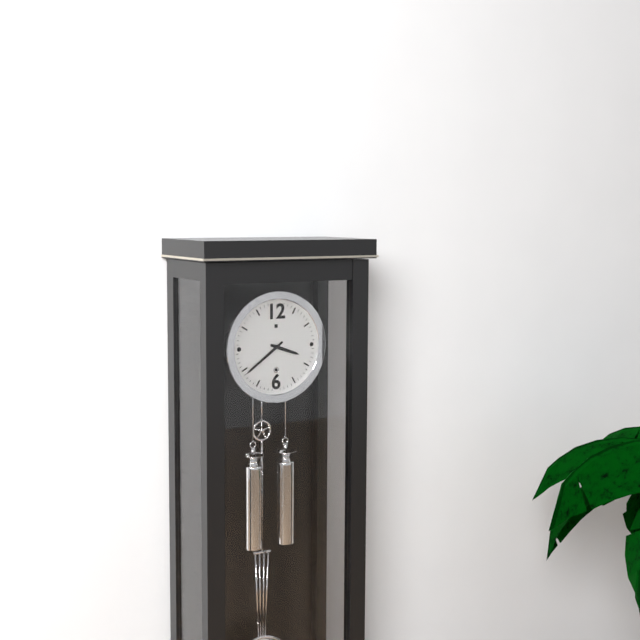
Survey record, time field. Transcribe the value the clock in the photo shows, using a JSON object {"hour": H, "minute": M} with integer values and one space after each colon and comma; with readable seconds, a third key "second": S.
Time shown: {"hour": 3, "minute": 39}
